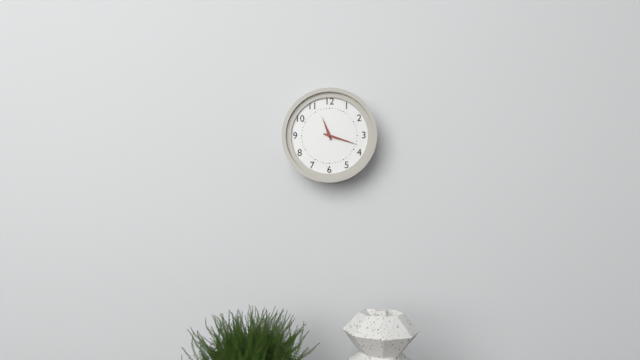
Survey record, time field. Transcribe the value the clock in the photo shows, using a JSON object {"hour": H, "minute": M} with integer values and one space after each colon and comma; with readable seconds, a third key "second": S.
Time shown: {"hour": 11, "minute": 18}
